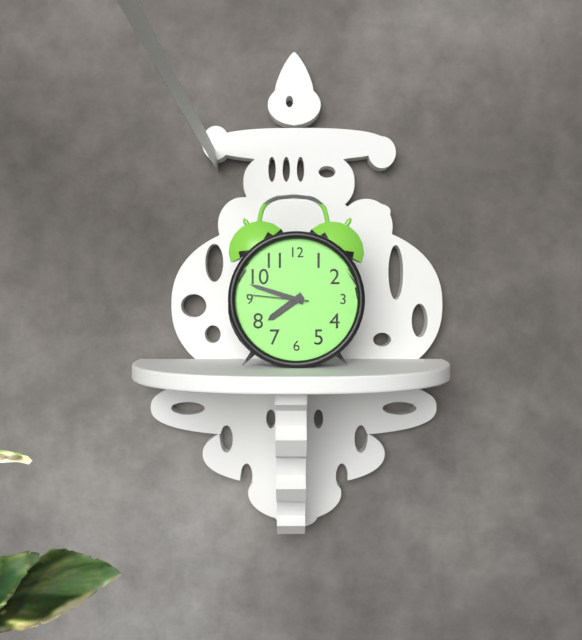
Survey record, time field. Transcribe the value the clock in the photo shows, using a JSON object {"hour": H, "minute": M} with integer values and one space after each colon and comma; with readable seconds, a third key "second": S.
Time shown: {"hour": 7, "minute": 48, "second": 46}
